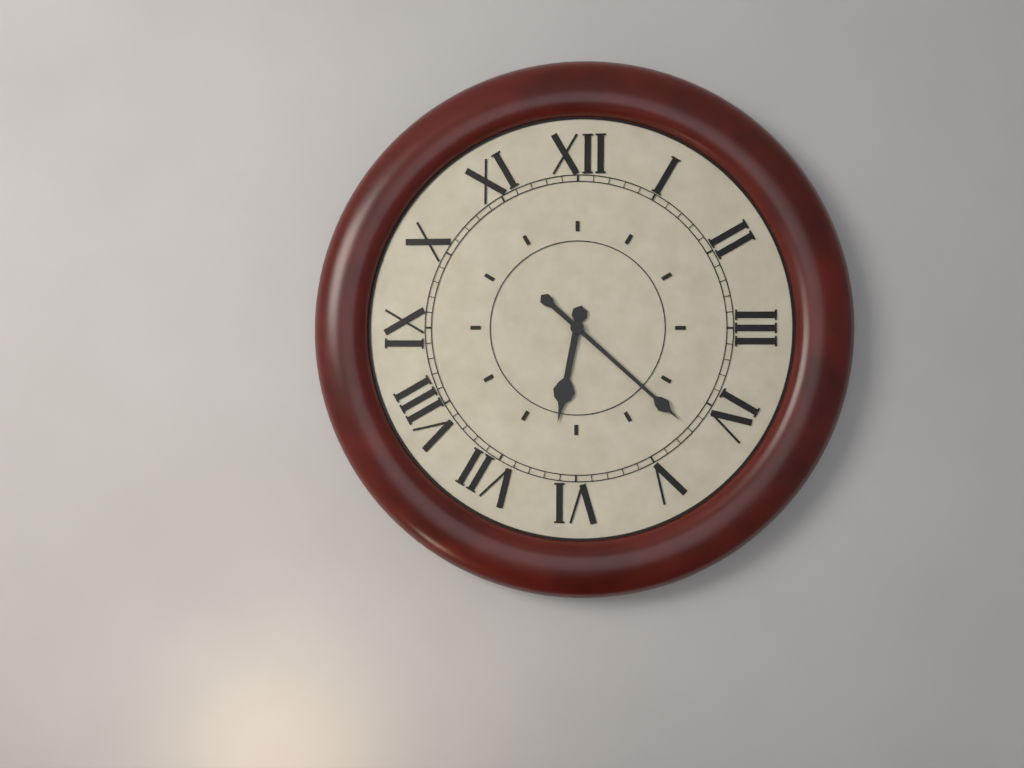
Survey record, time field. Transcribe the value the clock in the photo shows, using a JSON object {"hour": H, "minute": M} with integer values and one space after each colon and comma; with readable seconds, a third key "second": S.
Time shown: {"hour": 6, "minute": 22}
